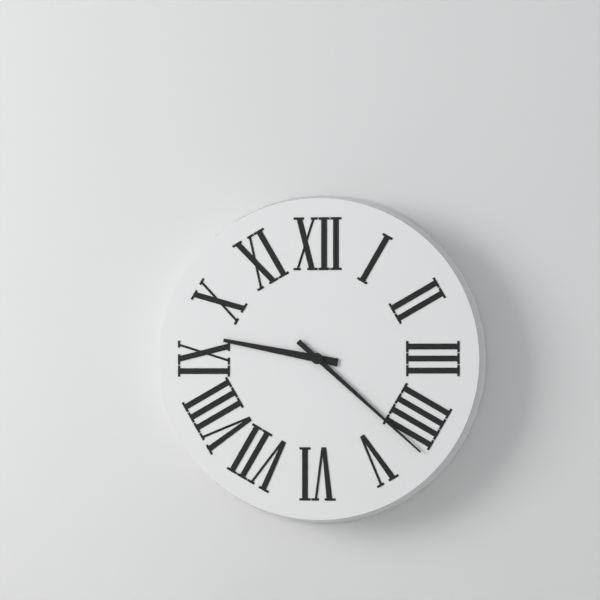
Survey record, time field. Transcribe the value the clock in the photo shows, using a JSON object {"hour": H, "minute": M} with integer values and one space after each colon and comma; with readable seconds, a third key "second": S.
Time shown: {"hour": 9, "minute": 22}
